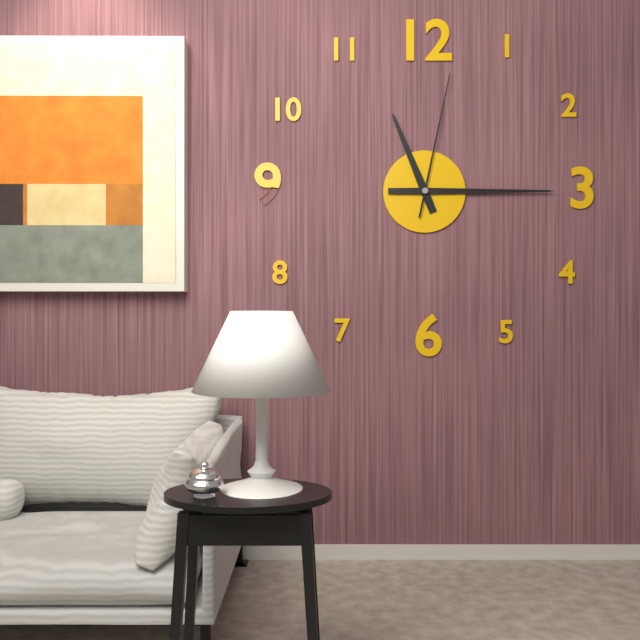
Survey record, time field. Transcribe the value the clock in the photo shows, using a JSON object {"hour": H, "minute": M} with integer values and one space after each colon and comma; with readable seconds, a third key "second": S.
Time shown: {"hour": 11, "minute": 15, "second": 2}
